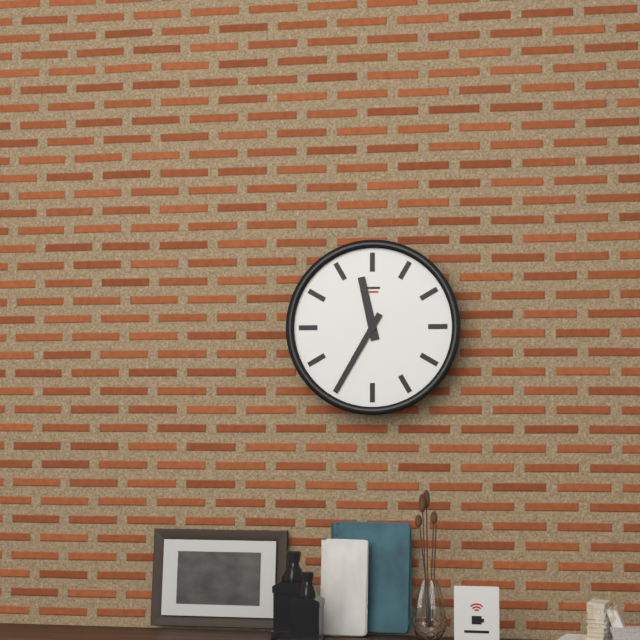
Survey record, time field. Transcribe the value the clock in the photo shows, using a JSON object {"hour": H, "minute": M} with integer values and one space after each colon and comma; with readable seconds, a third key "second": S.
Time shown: {"hour": 11, "minute": 35}
